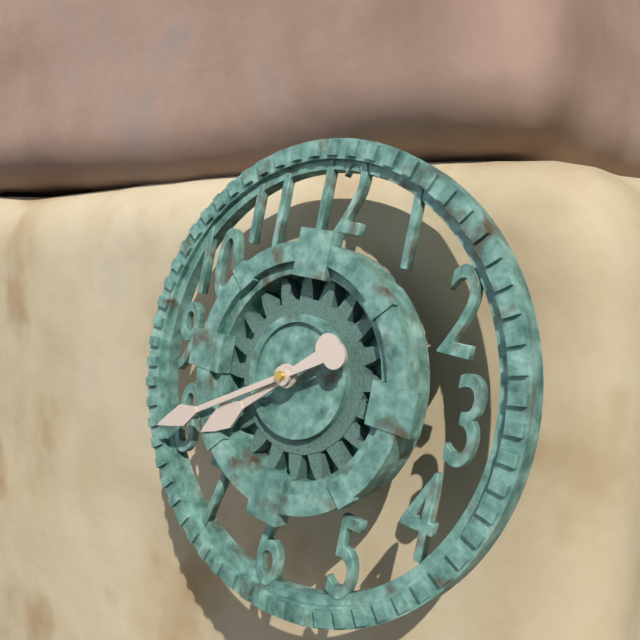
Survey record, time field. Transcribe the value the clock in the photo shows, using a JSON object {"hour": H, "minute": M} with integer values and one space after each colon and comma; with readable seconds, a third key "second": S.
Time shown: {"hour": 7, "minute": 40}
